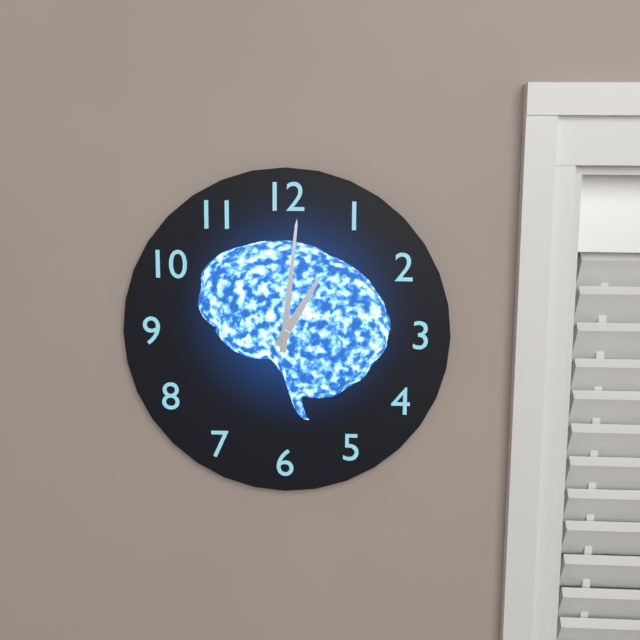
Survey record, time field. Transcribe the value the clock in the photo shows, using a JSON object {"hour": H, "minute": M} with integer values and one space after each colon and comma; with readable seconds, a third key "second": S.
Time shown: {"hour": 1, "minute": 1}
